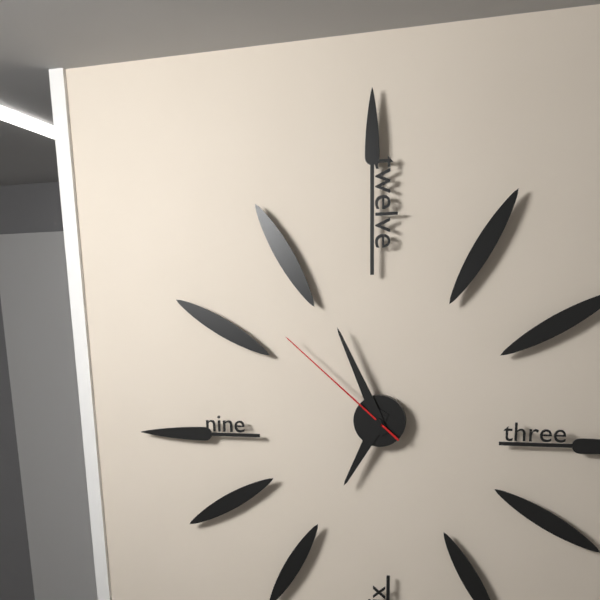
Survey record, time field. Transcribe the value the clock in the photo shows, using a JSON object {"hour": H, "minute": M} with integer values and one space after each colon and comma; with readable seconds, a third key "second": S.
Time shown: {"hour": 6, "minute": 56, "second": 52}
